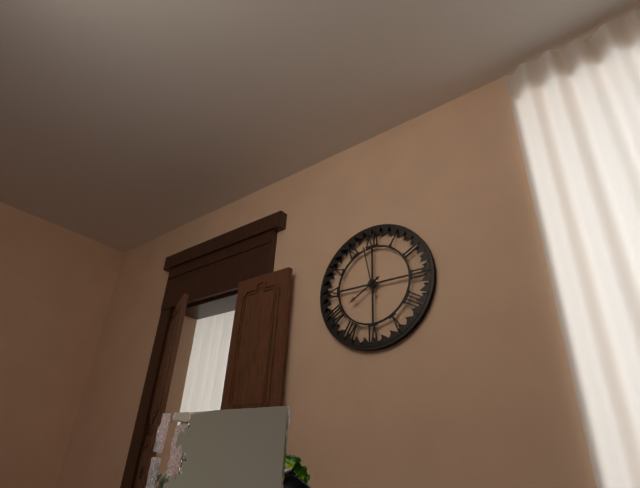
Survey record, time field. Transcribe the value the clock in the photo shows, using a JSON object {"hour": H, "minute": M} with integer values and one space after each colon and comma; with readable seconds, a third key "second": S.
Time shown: {"hour": 7, "minute": 58}
